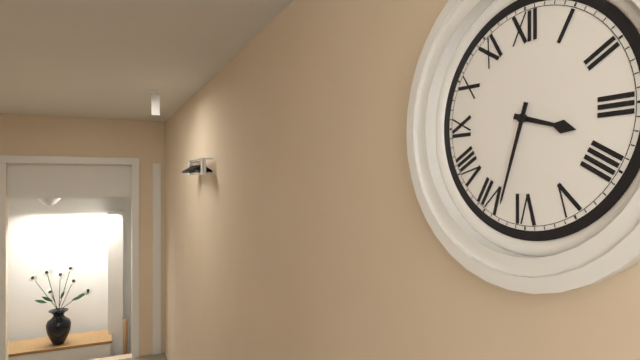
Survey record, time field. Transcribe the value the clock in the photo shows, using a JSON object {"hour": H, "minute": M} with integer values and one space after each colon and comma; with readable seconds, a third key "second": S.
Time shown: {"hour": 3, "minute": 33}
